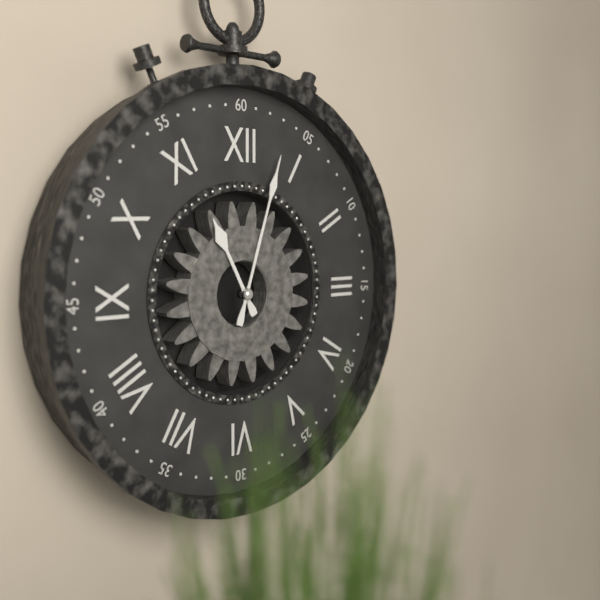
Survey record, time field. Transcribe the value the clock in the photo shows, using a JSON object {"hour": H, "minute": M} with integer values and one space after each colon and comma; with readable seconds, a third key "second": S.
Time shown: {"hour": 11, "minute": 3}
